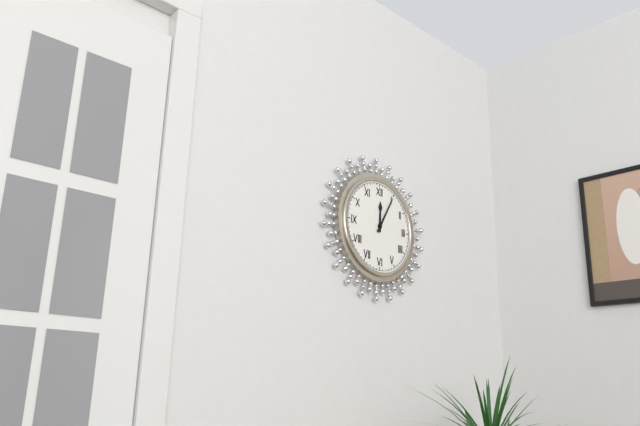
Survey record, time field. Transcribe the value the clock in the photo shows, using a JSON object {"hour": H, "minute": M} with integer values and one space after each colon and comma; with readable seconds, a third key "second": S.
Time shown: {"hour": 12, "minute": 5}
